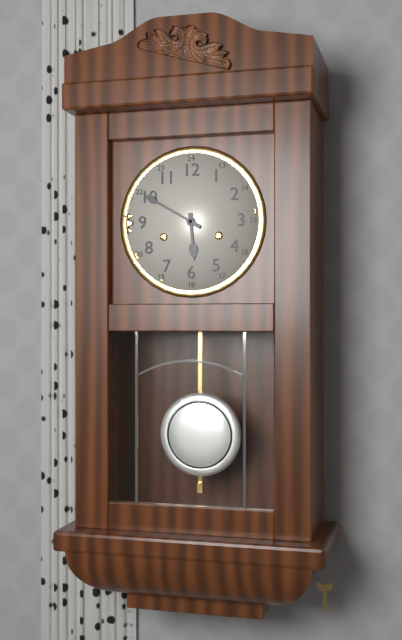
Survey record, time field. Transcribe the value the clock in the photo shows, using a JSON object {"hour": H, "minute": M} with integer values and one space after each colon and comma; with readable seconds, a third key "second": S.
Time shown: {"hour": 5, "minute": 50}
